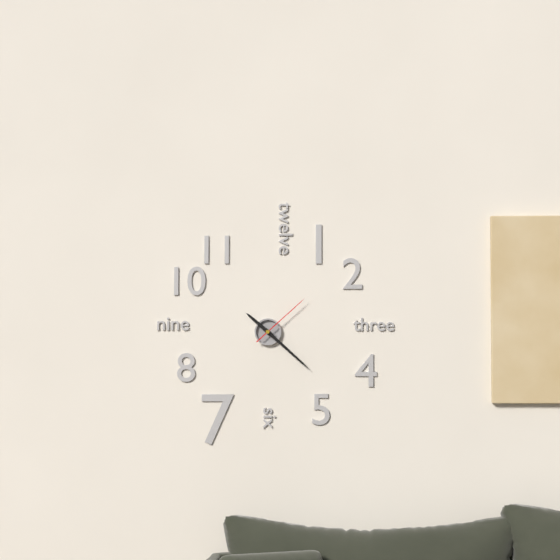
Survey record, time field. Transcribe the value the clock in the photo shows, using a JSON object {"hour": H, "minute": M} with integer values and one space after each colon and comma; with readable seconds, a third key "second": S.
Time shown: {"hour": 10, "minute": 22, "second": 8}
